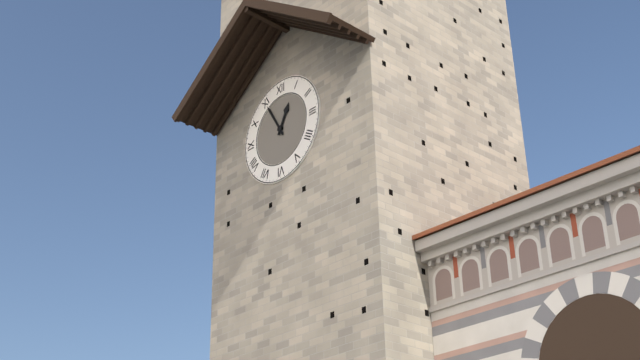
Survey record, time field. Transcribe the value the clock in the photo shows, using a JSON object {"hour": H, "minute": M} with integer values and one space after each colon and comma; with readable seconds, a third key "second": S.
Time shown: {"hour": 12, "minute": 55}
